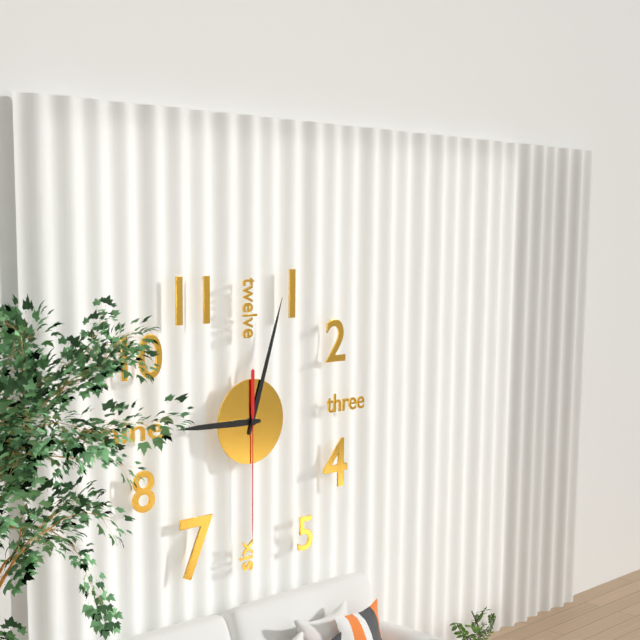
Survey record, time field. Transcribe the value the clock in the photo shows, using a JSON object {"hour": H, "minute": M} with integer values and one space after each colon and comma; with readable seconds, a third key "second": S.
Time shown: {"hour": 9, "minute": 3, "second": 30}
